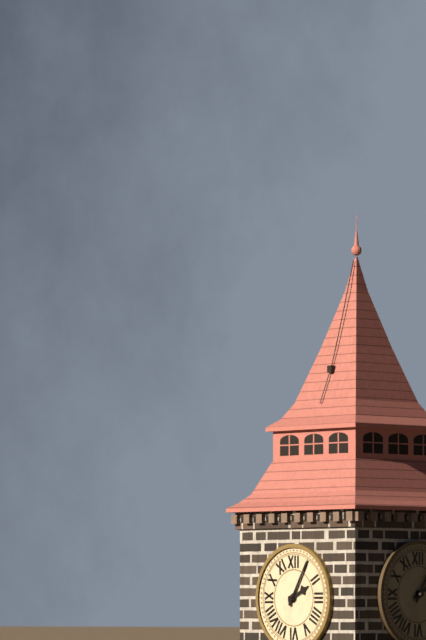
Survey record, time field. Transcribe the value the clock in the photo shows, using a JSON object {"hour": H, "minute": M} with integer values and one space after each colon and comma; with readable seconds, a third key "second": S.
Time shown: {"hour": 2, "minute": 5}
